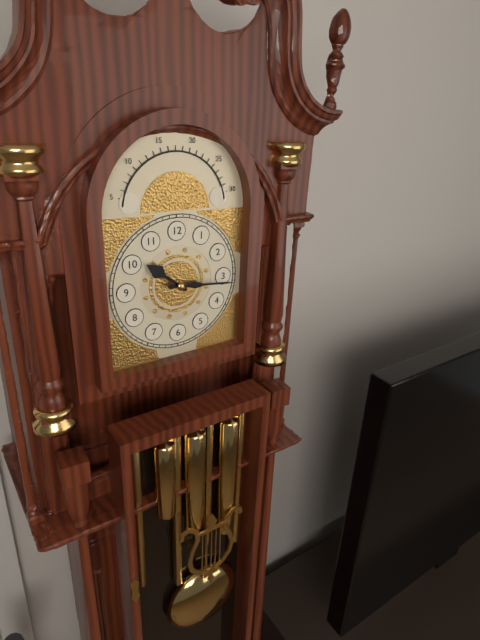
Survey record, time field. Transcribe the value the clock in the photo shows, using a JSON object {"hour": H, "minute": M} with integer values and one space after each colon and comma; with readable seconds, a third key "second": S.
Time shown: {"hour": 10, "minute": 16}
